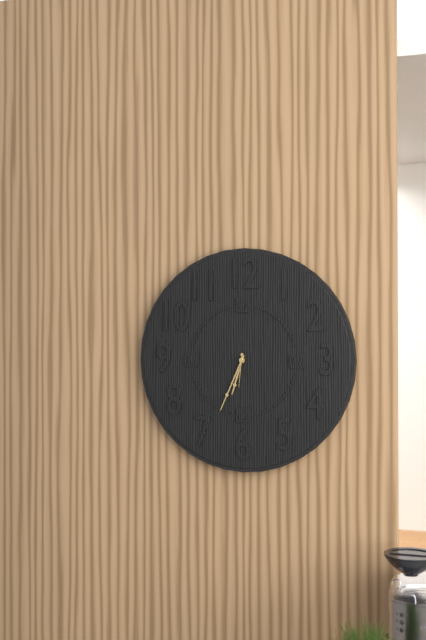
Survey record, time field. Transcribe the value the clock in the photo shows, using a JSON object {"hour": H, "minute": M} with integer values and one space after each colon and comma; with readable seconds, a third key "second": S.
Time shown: {"hour": 6, "minute": 34}
